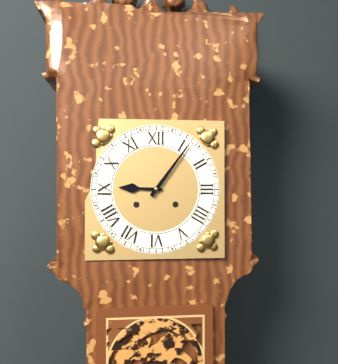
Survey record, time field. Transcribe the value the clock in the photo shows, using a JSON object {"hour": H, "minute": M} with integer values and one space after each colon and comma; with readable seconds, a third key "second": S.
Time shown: {"hour": 9, "minute": 6}
